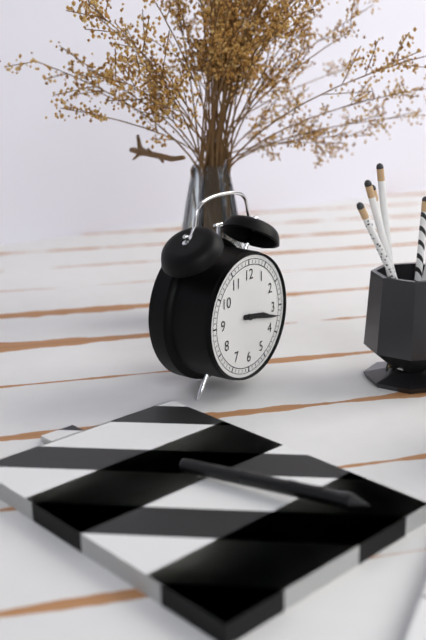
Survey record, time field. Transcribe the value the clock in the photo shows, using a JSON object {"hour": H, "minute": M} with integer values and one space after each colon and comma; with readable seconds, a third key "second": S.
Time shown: {"hour": 3, "minute": 17}
